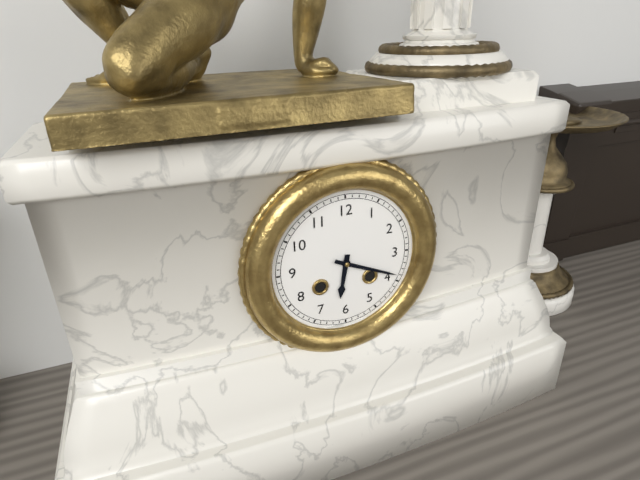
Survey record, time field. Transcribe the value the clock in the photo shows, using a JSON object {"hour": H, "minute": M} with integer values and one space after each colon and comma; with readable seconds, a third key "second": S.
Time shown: {"hour": 6, "minute": 19}
